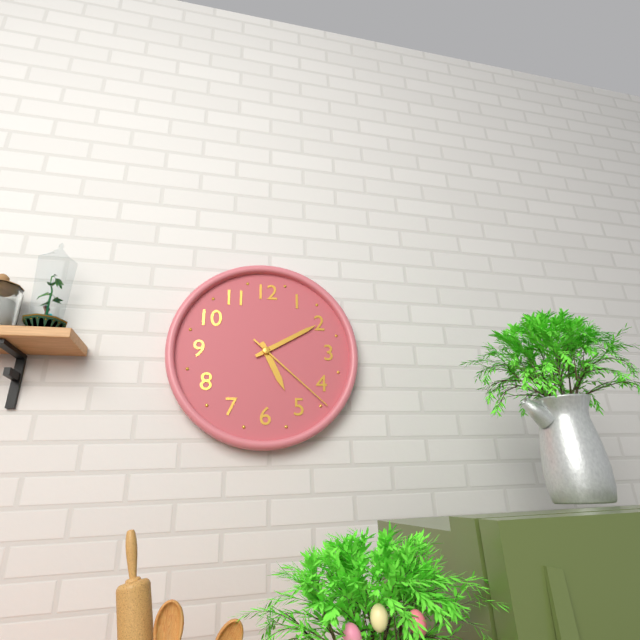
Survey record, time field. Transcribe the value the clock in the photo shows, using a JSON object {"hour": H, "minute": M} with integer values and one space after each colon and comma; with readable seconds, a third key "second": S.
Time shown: {"hour": 5, "minute": 10, "second": 22}
